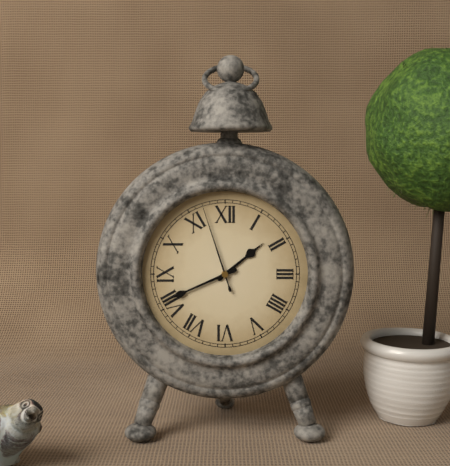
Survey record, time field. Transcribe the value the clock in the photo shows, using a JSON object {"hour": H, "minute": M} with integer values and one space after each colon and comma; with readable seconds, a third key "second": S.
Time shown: {"hour": 1, "minute": 41, "second": 57}
